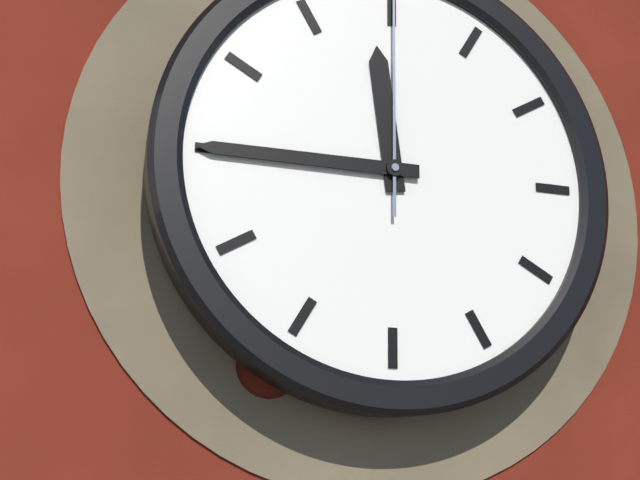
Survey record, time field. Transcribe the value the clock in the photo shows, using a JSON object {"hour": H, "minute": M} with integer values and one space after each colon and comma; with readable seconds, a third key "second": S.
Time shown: {"hour": 11, "minute": 45}
